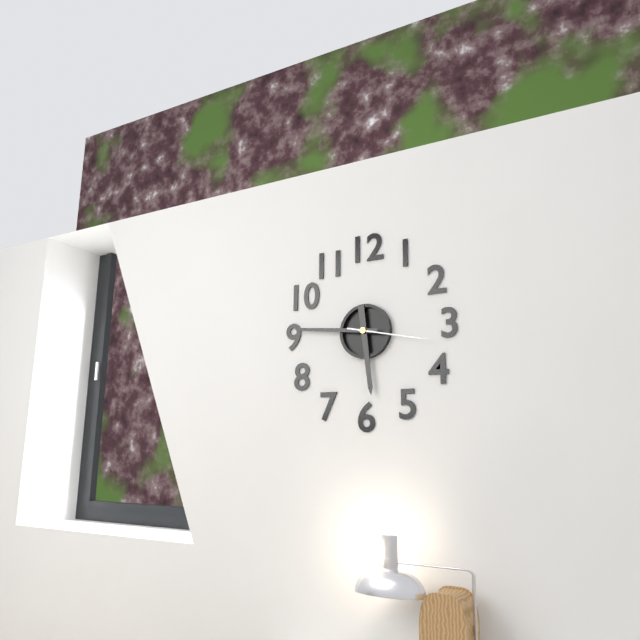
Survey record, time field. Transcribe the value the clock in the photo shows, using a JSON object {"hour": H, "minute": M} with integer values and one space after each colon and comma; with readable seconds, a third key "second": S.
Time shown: {"hour": 5, "minute": 46, "second": 17}
